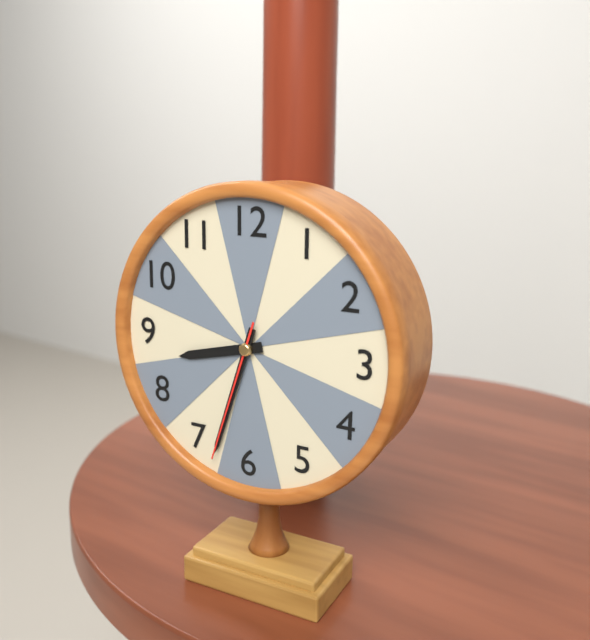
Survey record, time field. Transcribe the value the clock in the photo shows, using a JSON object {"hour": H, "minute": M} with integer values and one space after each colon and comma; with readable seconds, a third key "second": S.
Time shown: {"hour": 8, "minute": 33, "second": 33}
